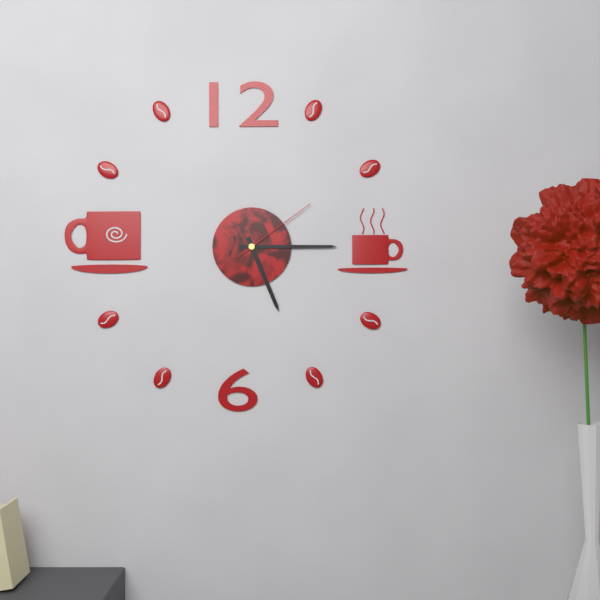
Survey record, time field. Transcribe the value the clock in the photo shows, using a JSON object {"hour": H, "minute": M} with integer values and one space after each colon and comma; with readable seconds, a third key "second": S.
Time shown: {"hour": 5, "minute": 15, "second": 9}
